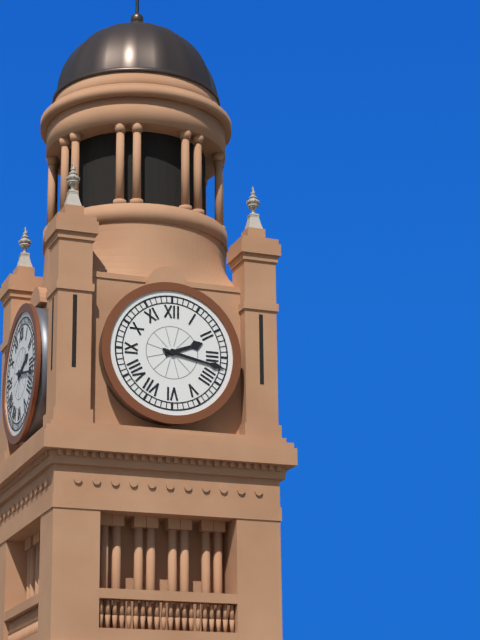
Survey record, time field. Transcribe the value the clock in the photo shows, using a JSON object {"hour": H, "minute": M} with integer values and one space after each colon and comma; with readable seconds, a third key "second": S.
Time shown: {"hour": 2, "minute": 17}
